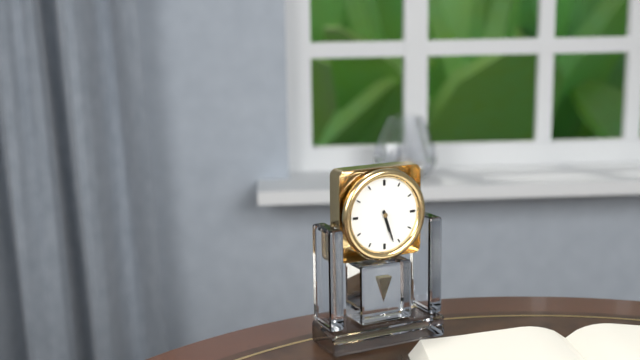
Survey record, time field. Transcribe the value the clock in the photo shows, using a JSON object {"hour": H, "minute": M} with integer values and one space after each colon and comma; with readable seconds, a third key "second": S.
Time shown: {"hour": 5, "minute": 27}
